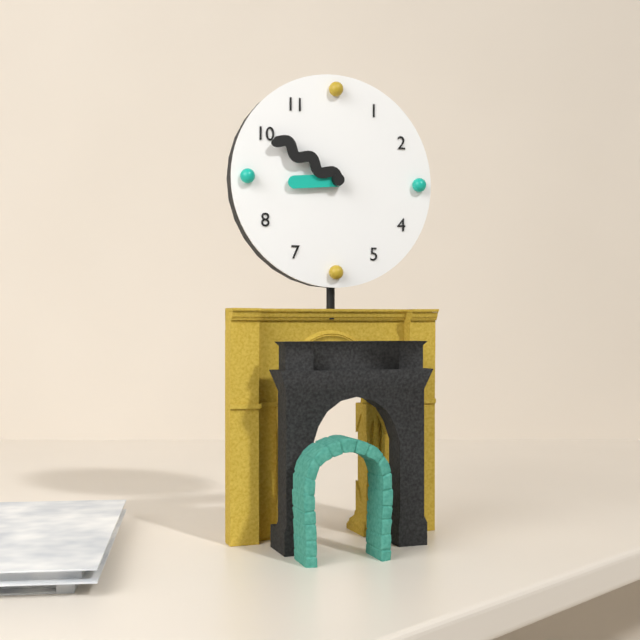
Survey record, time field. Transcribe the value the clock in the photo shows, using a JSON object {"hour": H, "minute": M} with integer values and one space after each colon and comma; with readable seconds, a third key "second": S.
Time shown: {"hour": 8, "minute": 50}
